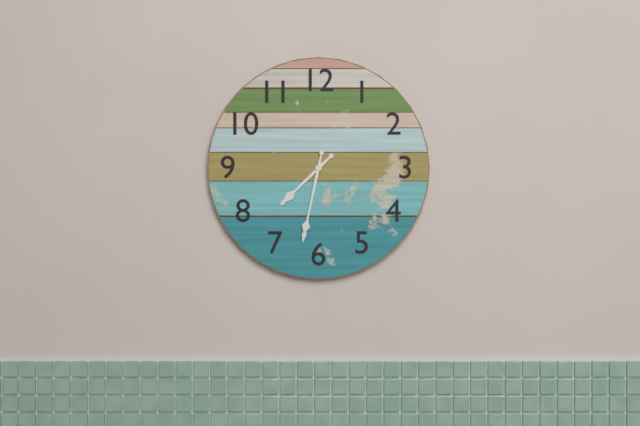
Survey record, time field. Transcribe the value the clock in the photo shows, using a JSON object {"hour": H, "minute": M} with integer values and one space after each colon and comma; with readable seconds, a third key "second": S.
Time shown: {"hour": 7, "minute": 32}
